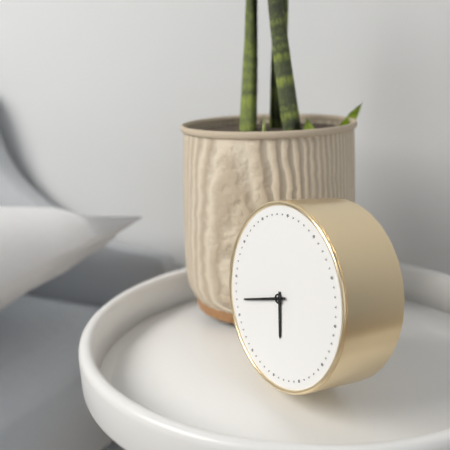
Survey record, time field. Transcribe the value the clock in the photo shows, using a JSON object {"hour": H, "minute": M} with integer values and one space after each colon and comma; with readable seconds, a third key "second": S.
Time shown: {"hour": 5, "minute": 42}
